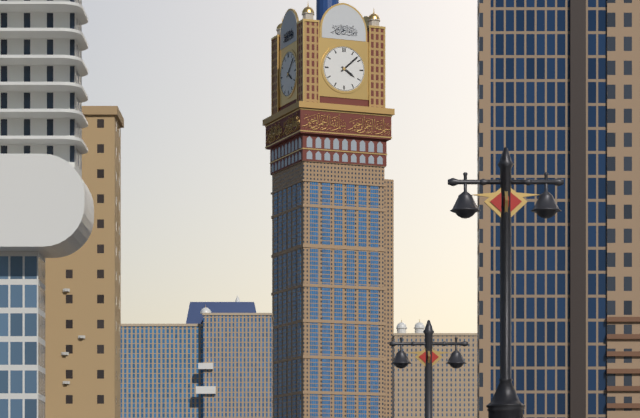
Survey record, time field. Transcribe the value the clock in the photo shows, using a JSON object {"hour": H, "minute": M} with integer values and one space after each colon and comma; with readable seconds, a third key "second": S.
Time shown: {"hour": 4, "minute": 8}
